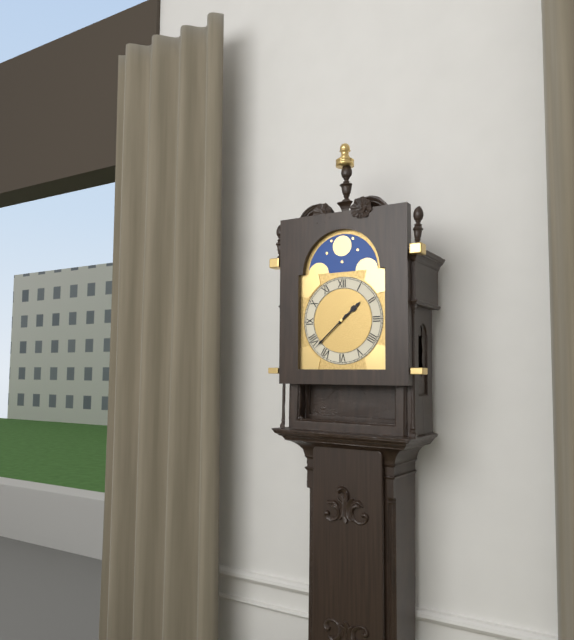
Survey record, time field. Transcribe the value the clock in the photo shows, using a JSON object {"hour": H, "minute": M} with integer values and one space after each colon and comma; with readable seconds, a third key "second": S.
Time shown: {"hour": 1, "minute": 38}
